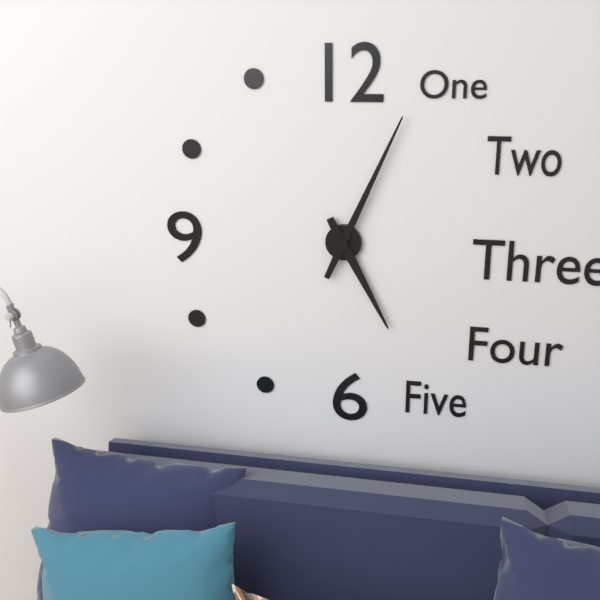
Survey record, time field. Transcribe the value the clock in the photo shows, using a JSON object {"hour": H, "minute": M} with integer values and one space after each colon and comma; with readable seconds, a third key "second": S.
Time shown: {"hour": 5, "minute": 4}
